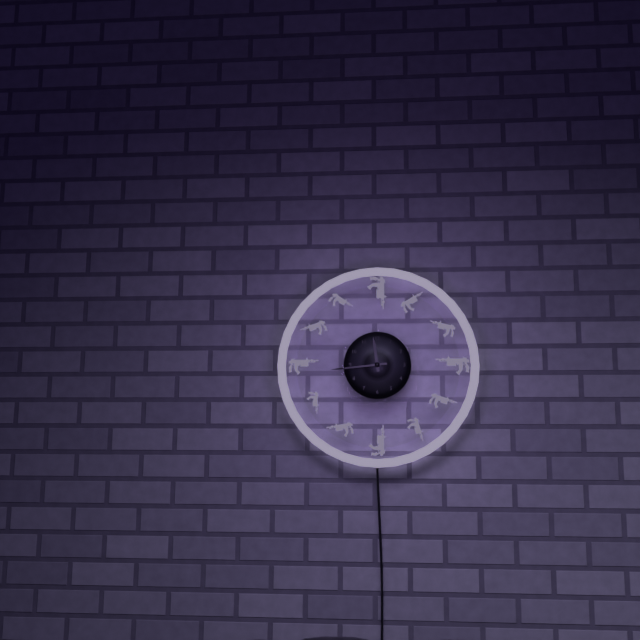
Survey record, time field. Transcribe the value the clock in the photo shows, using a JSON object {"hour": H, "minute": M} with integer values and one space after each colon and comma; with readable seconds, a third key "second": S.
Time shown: {"hour": 11, "minute": 44}
